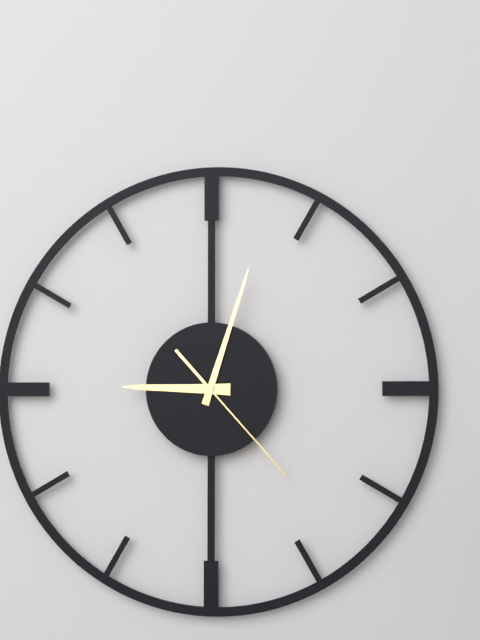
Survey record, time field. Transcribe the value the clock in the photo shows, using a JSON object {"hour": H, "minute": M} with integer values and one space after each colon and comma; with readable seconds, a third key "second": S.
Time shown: {"hour": 9, "minute": 3, "second": 23}
